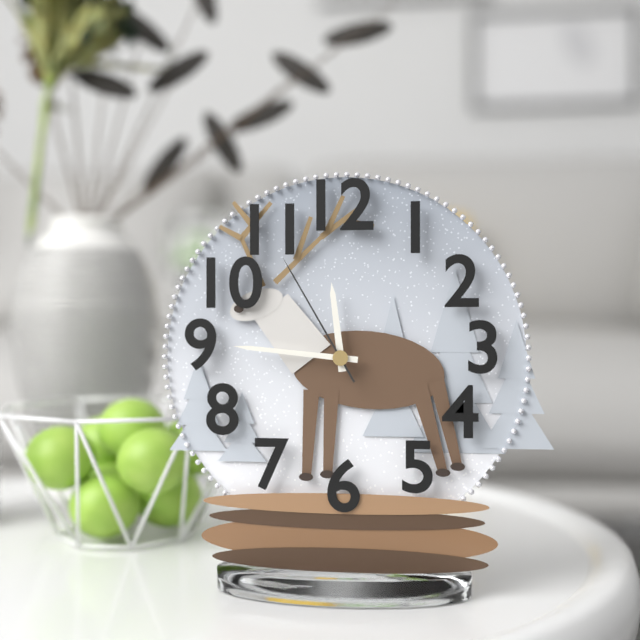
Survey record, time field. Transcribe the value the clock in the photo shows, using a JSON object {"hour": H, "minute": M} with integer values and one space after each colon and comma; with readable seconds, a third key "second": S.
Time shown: {"hour": 11, "minute": 46, "second": 55}
